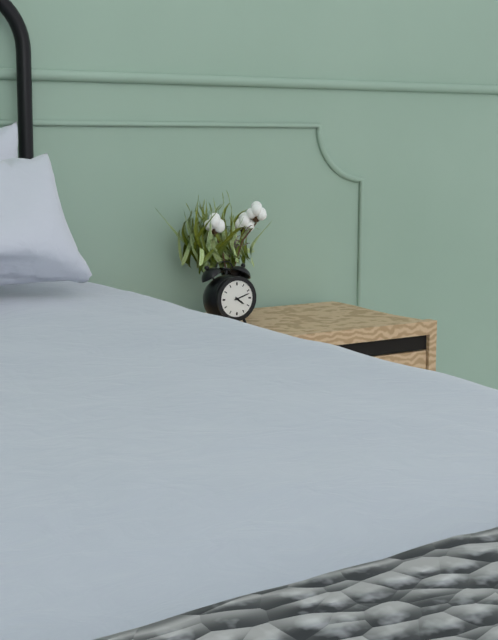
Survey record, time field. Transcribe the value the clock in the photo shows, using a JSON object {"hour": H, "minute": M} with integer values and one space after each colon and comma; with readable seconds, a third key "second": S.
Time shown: {"hour": 4, "minute": 12}
